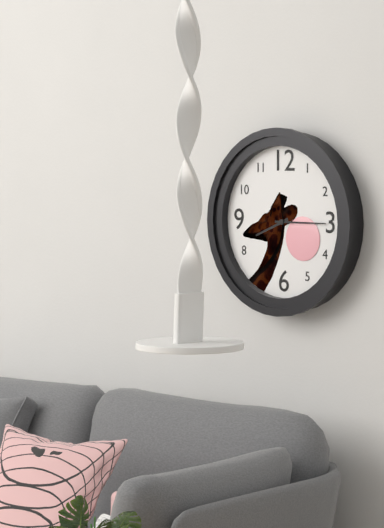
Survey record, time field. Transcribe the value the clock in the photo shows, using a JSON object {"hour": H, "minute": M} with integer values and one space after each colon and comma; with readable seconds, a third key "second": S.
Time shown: {"hour": 8, "minute": 15}
